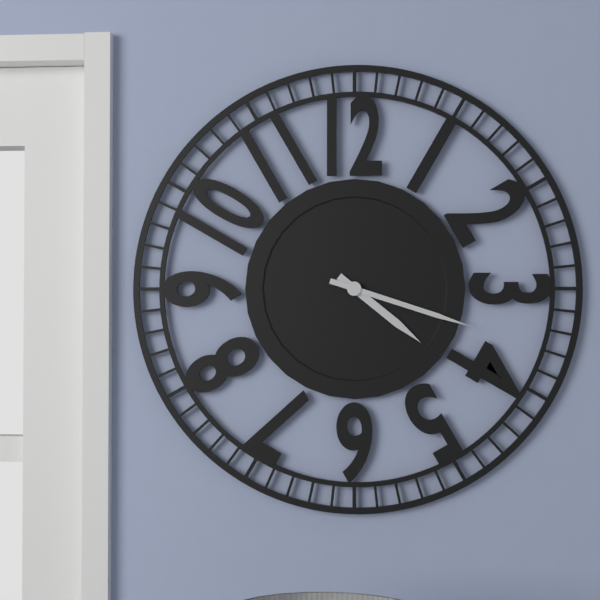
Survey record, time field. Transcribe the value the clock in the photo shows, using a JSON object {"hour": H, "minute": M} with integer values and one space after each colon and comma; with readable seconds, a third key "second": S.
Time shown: {"hour": 4, "minute": 18}
